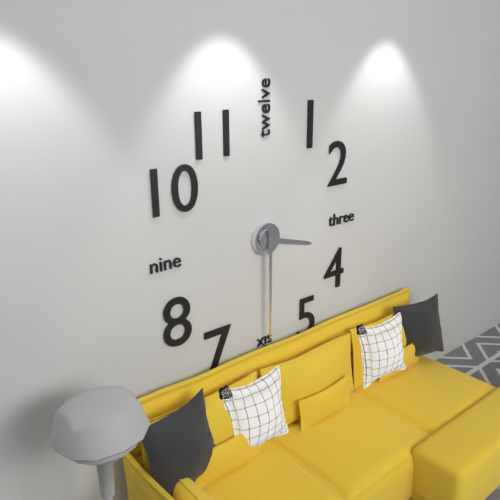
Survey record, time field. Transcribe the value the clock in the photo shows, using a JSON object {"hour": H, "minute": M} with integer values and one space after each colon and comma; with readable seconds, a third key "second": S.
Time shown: {"hour": 3, "minute": 30}
